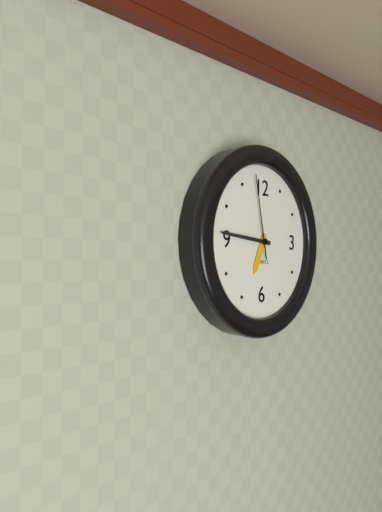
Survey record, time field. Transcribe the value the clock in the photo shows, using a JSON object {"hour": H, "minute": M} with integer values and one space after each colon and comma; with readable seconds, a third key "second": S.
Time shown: {"hour": 6, "minute": 46, "second": 58}
